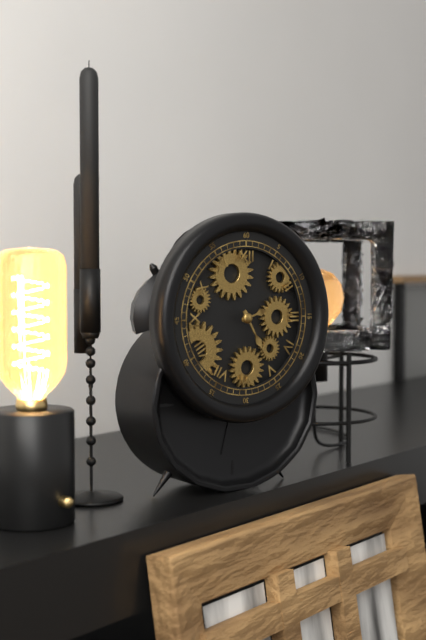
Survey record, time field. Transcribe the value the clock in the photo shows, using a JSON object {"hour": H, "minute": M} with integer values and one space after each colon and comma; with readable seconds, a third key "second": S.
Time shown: {"hour": 2, "minute": 25}
